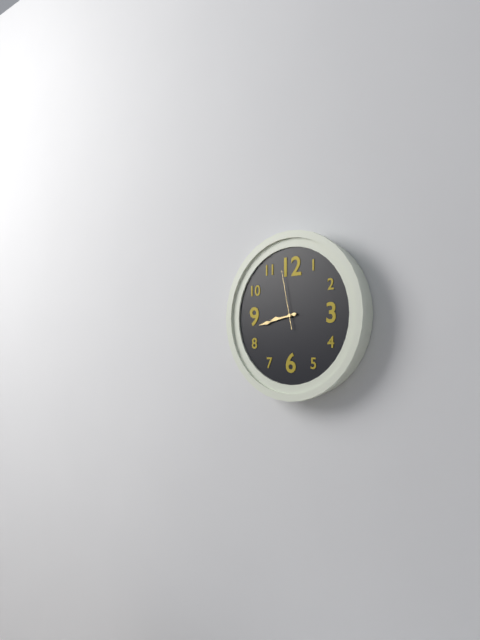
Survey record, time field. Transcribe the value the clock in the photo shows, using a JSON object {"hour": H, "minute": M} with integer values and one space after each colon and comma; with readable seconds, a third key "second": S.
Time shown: {"hour": 8, "minute": 43, "second": 58}
